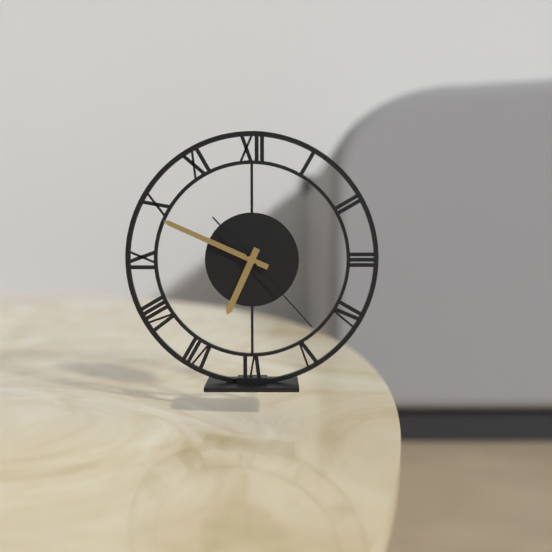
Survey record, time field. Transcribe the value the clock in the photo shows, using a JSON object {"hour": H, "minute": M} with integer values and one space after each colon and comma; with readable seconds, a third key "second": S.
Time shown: {"hour": 6, "minute": 49, "second": 23}
